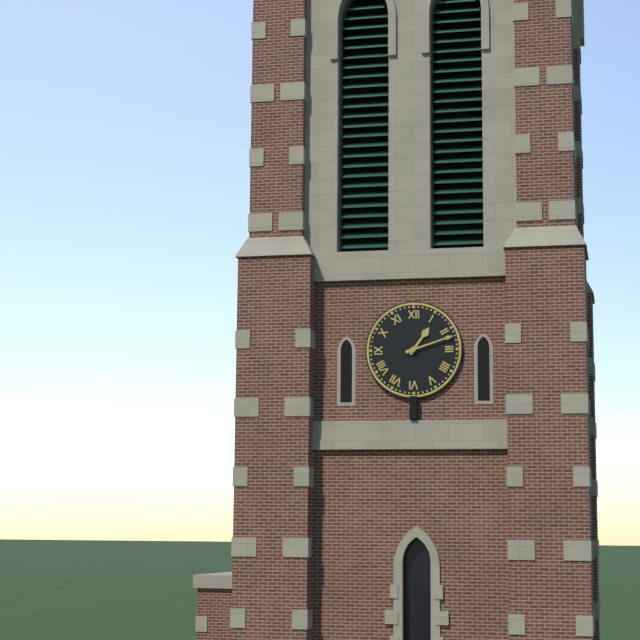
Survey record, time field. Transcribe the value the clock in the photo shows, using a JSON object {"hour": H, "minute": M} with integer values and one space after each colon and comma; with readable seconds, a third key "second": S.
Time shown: {"hour": 1, "minute": 12}
